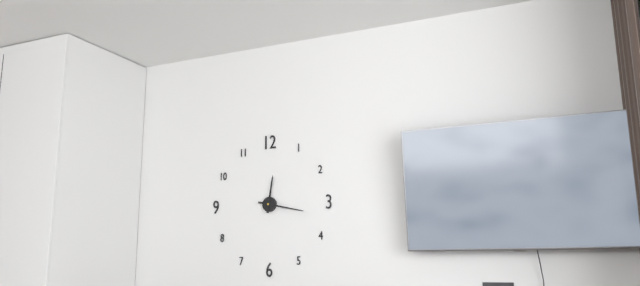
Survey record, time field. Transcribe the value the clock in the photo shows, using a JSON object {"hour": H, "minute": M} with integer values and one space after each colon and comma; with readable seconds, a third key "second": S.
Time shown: {"hour": 12, "minute": 17}
